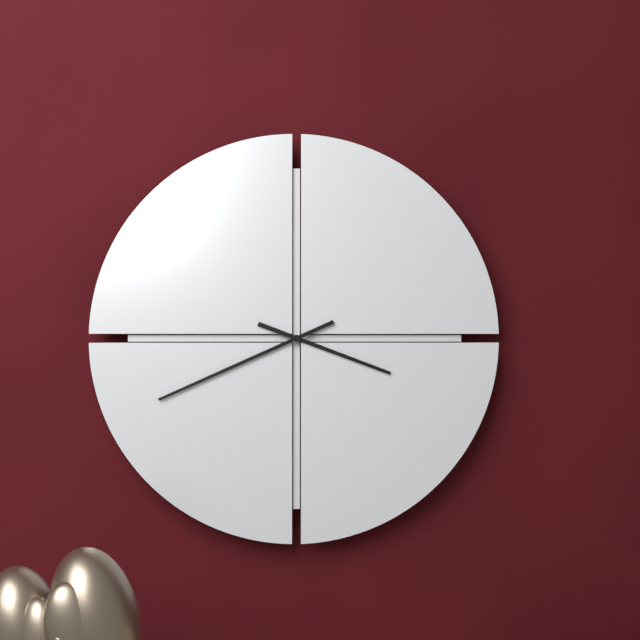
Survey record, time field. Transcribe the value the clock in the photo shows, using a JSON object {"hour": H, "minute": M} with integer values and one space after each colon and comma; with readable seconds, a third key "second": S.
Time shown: {"hour": 3, "minute": 41}
